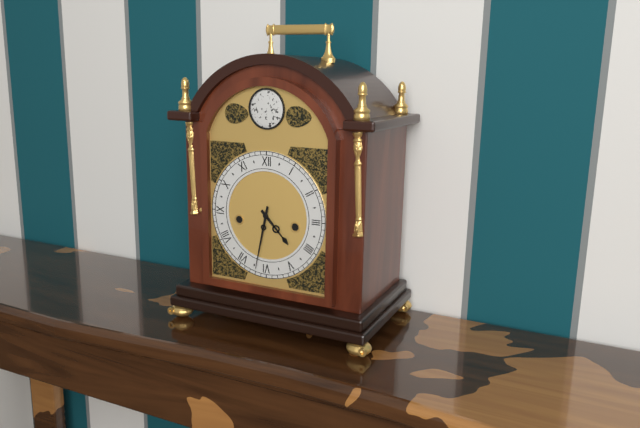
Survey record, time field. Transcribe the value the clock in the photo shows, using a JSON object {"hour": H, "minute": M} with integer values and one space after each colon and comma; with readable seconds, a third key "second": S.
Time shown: {"hour": 4, "minute": 32}
